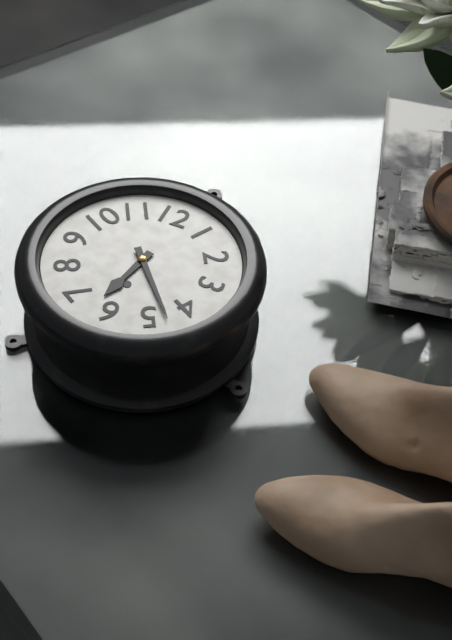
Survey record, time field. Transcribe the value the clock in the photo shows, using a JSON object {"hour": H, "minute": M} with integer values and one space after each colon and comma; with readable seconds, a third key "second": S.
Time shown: {"hour": 6, "minute": 23}
